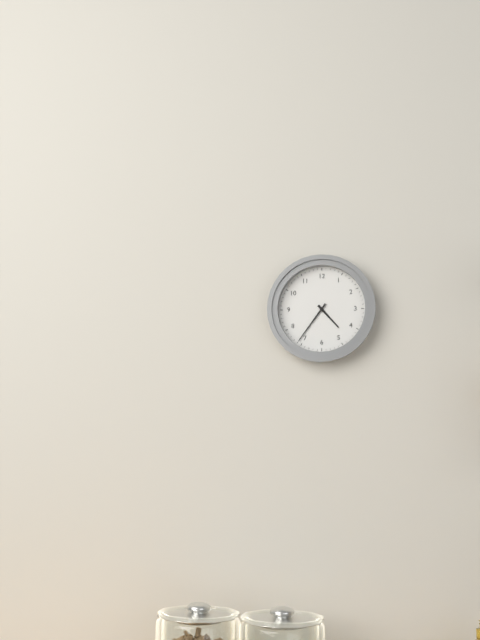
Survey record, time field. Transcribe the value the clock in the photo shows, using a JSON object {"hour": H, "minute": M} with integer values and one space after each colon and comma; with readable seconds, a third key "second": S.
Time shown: {"hour": 4, "minute": 36}
